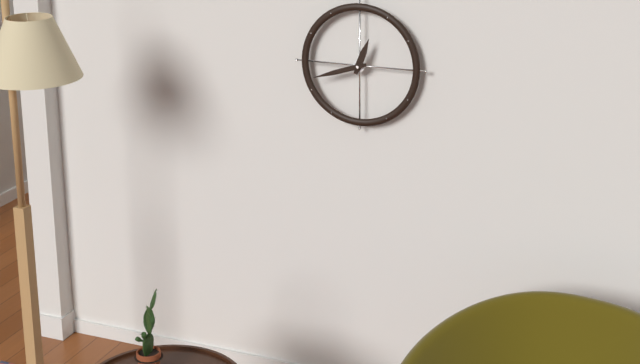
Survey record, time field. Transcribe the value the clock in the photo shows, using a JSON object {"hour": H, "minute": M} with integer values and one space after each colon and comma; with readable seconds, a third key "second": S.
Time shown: {"hour": 12, "minute": 42}
